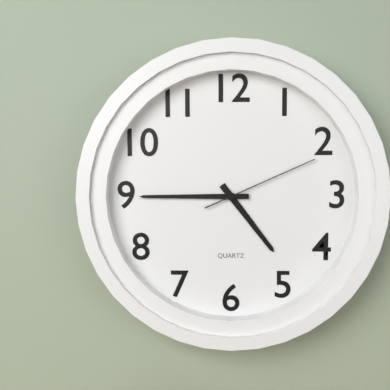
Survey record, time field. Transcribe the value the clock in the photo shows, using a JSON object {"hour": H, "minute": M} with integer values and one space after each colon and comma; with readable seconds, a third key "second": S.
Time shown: {"hour": 4, "minute": 45, "second": 11}
